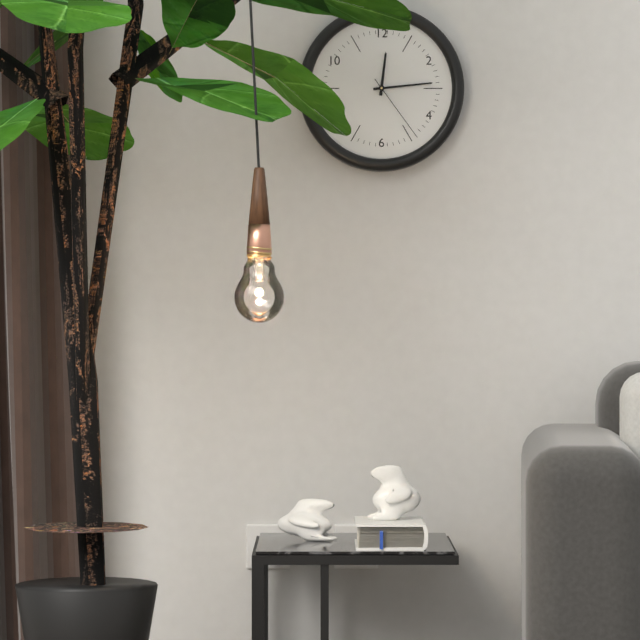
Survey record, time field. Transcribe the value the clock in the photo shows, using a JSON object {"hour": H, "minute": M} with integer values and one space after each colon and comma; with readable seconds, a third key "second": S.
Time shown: {"hour": 12, "minute": 14, "second": 24}
